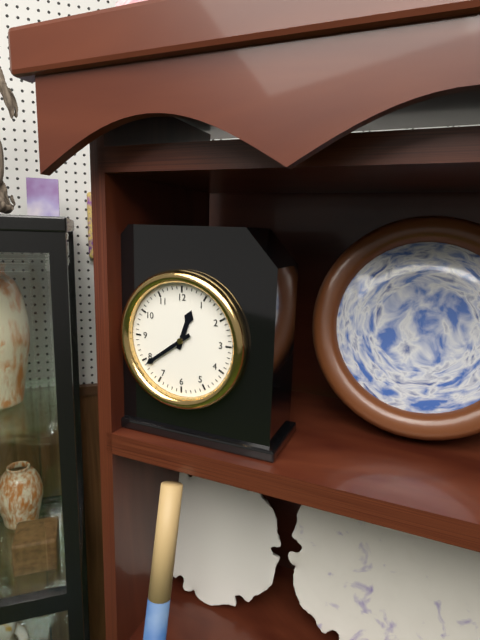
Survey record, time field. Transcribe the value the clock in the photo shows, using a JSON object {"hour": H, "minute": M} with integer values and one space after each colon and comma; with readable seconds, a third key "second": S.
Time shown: {"hour": 12, "minute": 39}
